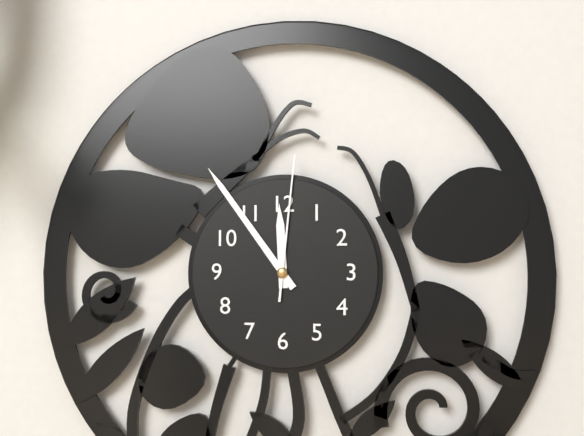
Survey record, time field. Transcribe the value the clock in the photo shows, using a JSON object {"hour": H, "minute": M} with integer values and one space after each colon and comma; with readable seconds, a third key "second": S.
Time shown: {"hour": 11, "minute": 54, "second": 1}
